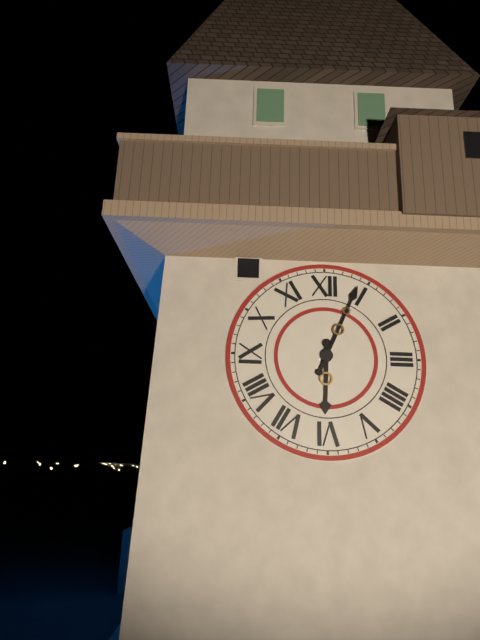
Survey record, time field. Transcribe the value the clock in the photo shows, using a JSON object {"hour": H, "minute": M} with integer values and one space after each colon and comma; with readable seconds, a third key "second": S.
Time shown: {"hour": 6, "minute": 4}
